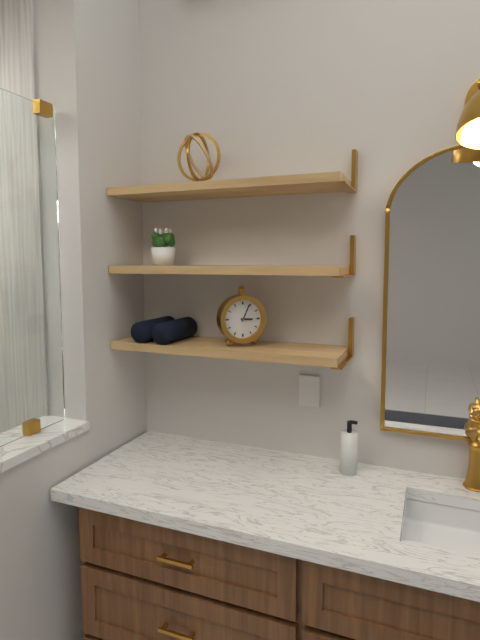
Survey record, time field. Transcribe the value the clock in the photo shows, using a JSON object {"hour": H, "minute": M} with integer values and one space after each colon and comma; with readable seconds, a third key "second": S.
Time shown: {"hour": 3, "minute": 4}
